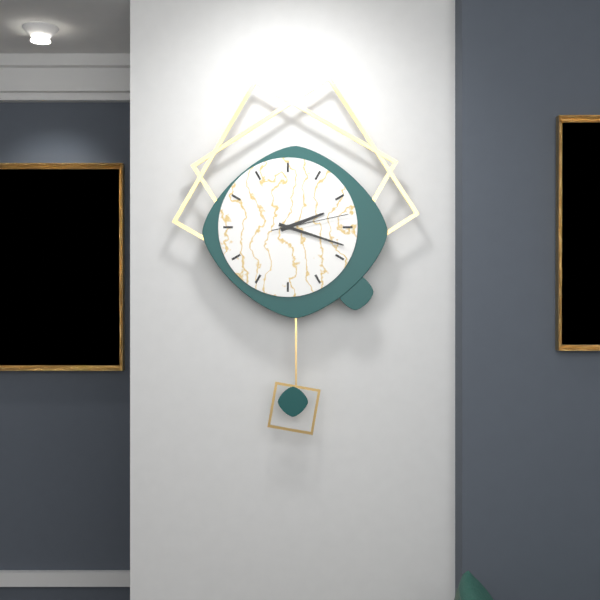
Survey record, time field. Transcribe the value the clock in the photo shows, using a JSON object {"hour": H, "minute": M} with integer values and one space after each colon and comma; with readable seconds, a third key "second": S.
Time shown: {"hour": 2, "minute": 18, "second": 13}
